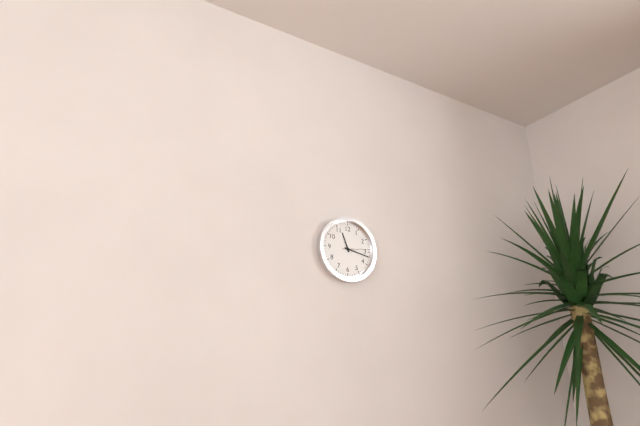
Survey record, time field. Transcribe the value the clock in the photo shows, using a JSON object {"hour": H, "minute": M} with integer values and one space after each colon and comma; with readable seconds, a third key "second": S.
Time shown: {"hour": 11, "minute": 17}
